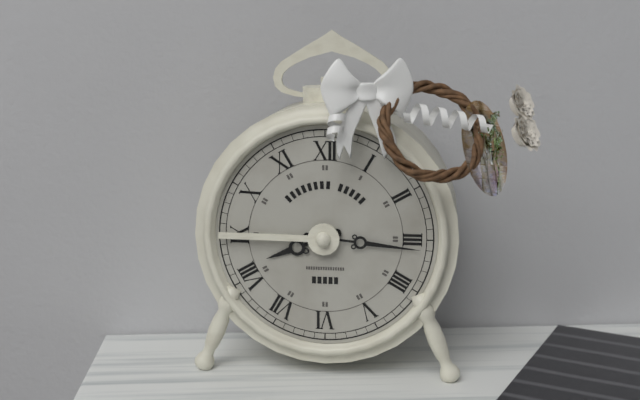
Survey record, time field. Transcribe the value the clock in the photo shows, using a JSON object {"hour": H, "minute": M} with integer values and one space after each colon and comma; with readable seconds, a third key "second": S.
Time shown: {"hour": 8, "minute": 16}
